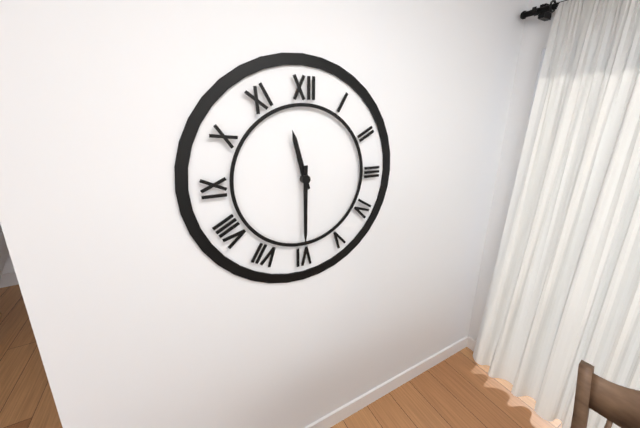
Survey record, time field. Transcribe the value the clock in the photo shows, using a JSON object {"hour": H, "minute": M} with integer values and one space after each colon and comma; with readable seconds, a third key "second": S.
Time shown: {"hour": 11, "minute": 30}
